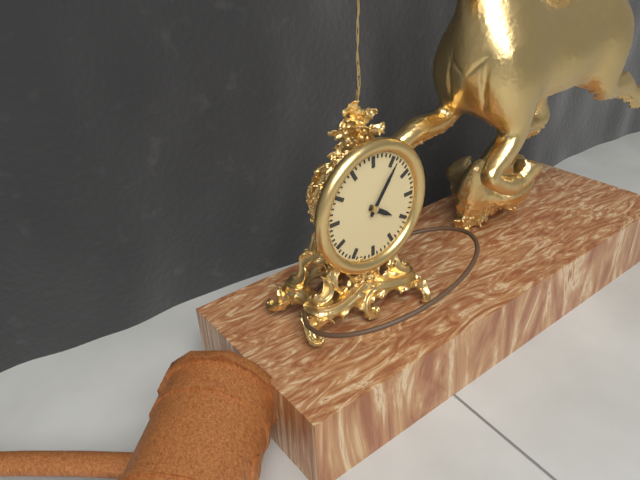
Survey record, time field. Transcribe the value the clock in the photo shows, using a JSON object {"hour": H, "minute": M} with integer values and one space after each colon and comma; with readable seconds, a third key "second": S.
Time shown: {"hour": 4, "minute": 6}
